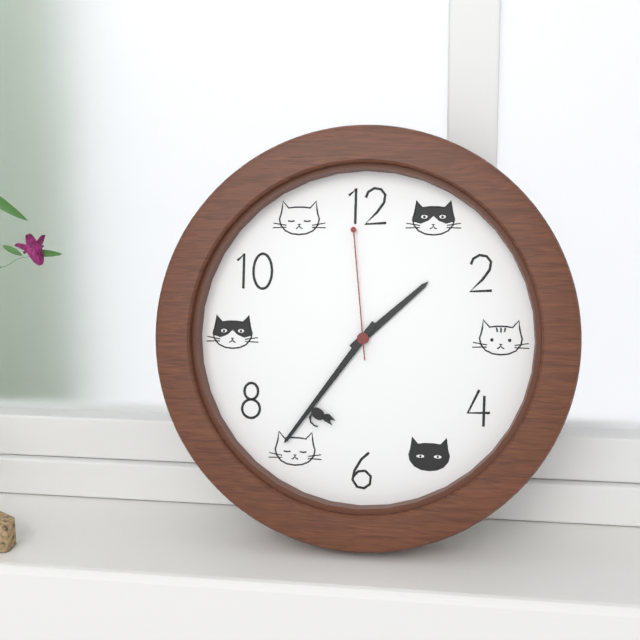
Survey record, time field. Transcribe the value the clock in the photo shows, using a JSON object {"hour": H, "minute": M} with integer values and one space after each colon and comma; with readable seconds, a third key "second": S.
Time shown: {"hour": 1, "minute": 36, "second": 59}
